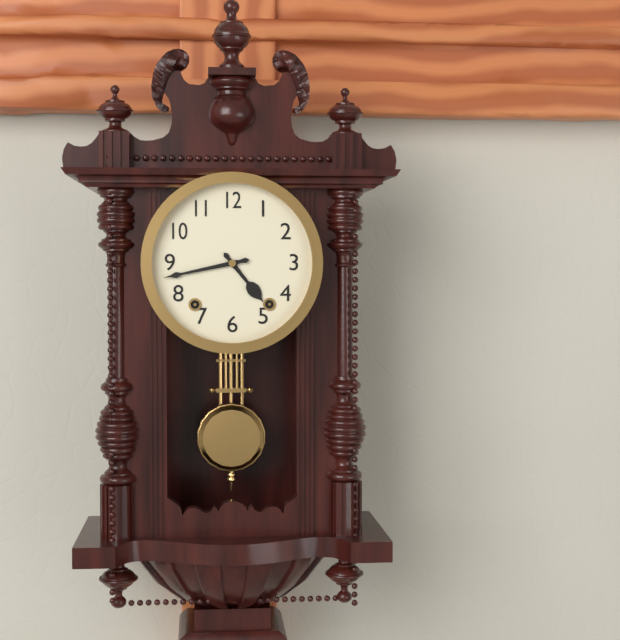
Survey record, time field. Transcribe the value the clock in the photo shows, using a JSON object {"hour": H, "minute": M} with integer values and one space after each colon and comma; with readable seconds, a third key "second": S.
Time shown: {"hour": 4, "minute": 43}
